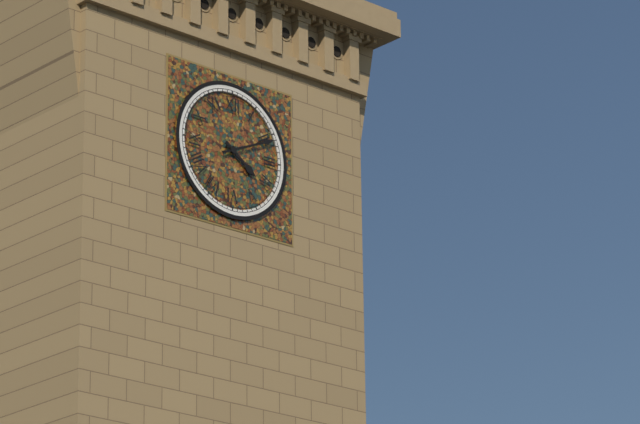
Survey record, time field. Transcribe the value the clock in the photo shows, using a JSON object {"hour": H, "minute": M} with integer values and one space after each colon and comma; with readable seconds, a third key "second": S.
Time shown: {"hour": 4, "minute": 11}
